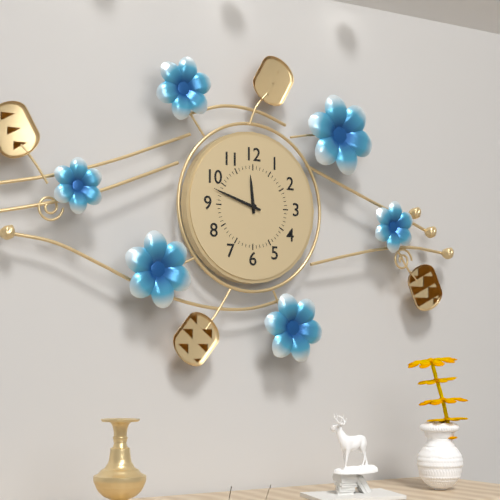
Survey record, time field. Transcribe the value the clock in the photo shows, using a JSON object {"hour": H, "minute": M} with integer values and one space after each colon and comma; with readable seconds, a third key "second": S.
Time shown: {"hour": 11, "minute": 48}
